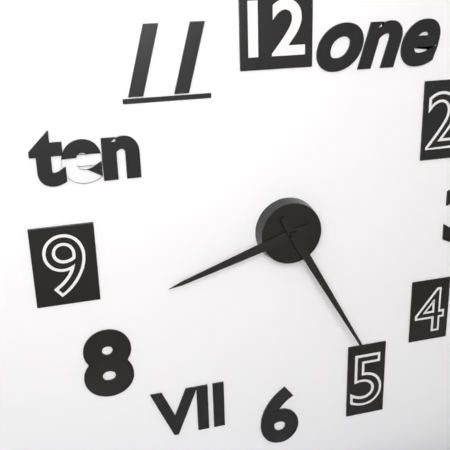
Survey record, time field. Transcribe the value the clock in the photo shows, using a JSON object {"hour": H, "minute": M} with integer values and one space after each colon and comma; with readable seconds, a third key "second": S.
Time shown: {"hour": 8, "minute": 25}
